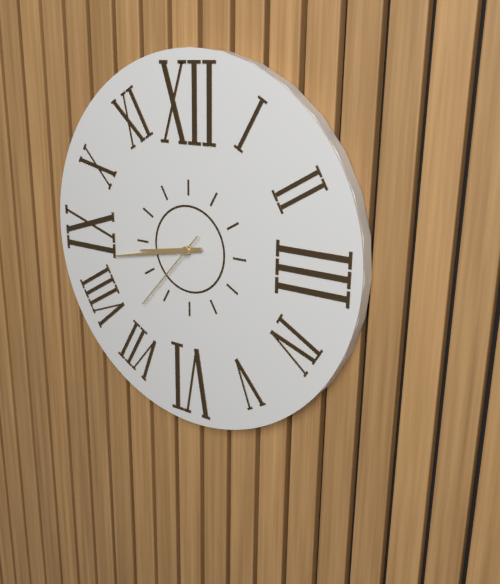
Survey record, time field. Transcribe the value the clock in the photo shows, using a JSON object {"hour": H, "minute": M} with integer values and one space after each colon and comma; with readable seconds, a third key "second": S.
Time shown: {"hour": 8, "minute": 43, "second": 37}
